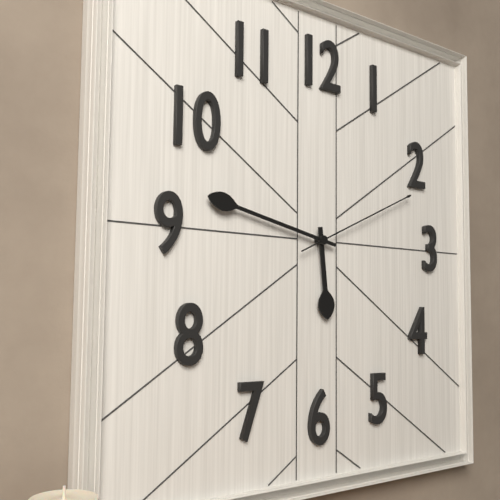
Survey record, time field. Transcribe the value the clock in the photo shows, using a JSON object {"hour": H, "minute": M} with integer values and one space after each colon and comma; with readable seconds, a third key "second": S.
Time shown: {"hour": 5, "minute": 47, "second": 11}
